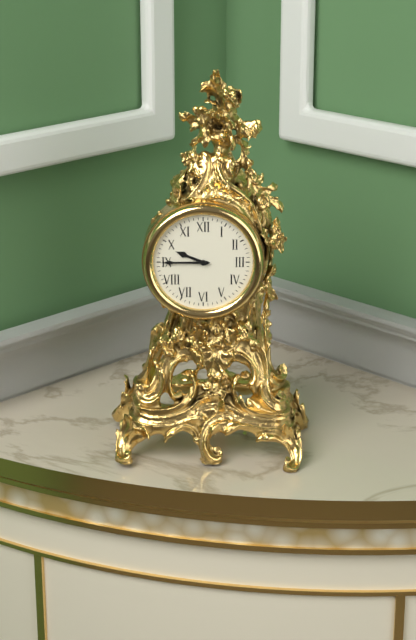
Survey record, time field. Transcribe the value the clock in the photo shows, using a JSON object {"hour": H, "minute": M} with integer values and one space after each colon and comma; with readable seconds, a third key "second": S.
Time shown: {"hour": 9, "minute": 45}
